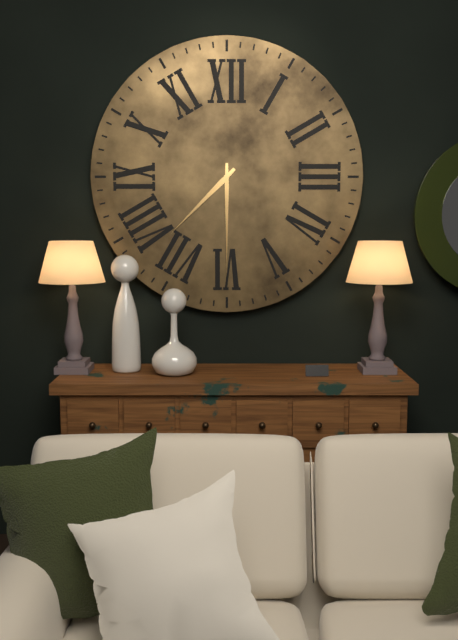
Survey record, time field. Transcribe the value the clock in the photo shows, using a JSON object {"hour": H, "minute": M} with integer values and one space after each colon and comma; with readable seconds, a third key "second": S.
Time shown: {"hour": 7, "minute": 30}
